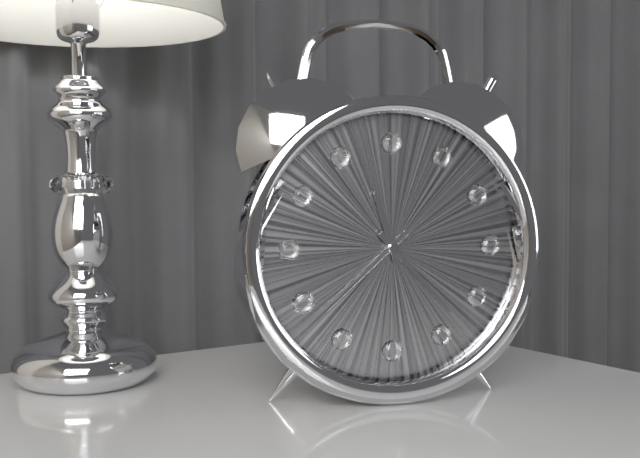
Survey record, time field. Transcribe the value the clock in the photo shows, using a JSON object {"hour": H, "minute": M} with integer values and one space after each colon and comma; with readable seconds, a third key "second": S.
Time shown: {"hour": 11, "minute": 23, "second": 38}
